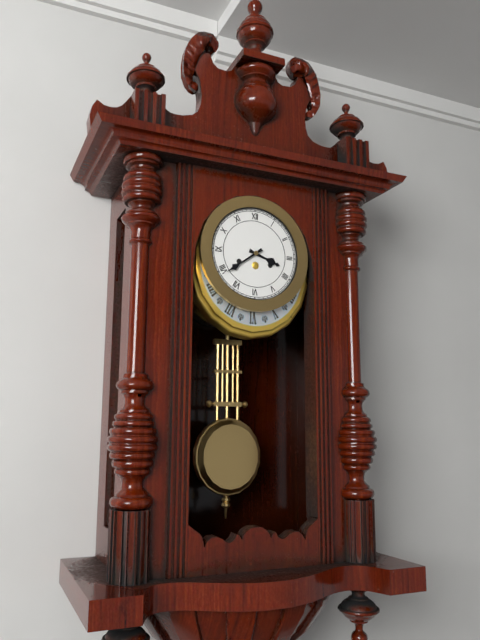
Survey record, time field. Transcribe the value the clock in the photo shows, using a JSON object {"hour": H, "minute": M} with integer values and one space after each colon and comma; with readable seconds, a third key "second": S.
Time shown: {"hour": 3, "minute": 39}
